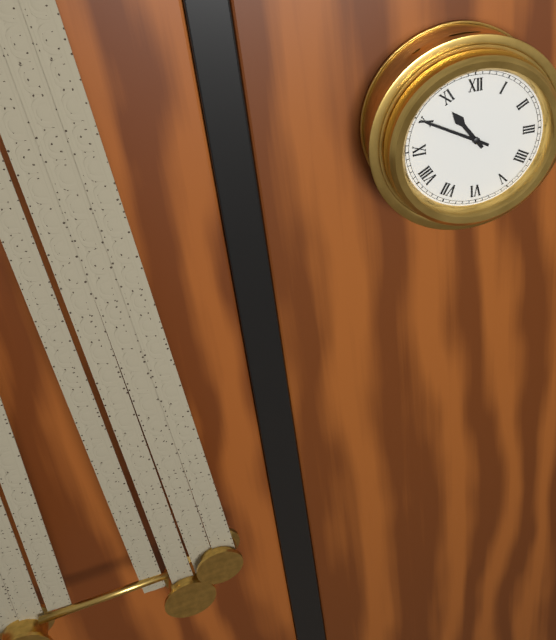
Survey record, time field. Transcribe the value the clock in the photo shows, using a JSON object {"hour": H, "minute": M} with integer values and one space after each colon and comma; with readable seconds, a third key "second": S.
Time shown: {"hour": 10, "minute": 50}
